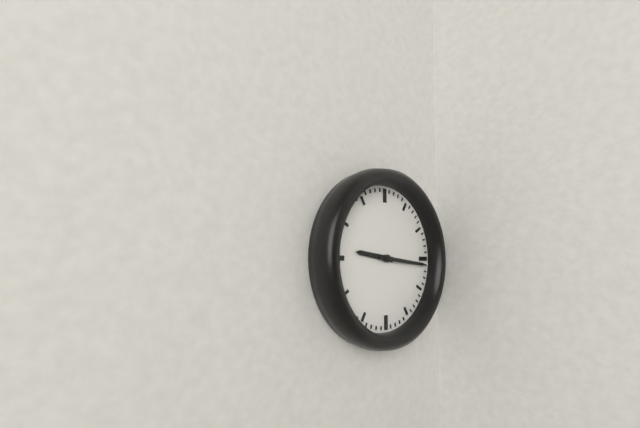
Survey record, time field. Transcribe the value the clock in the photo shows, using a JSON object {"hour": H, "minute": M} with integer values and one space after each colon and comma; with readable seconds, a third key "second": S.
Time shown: {"hour": 9, "minute": 16}
